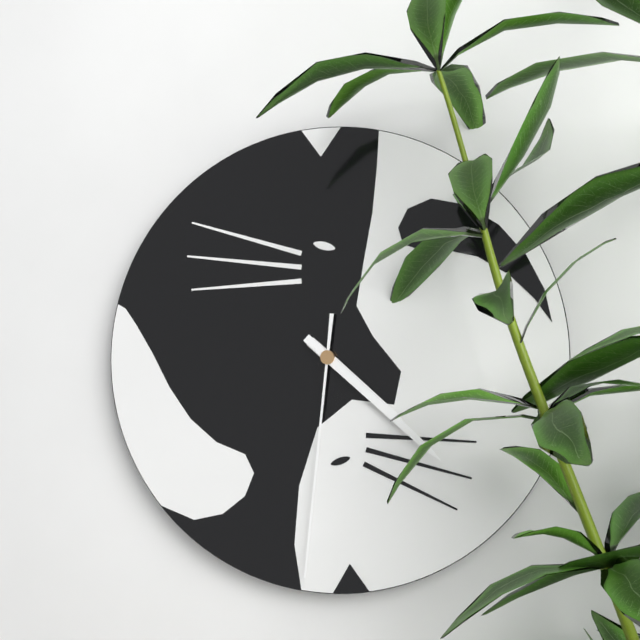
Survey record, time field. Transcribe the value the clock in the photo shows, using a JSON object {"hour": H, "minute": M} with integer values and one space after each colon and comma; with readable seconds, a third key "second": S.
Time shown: {"hour": 4, "minute": 22, "second": 31}
